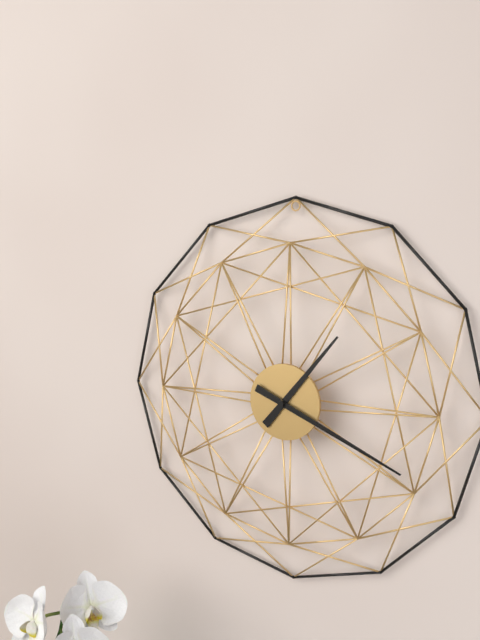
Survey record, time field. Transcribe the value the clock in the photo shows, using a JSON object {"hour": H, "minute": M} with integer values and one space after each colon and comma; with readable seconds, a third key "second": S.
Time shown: {"hour": 1, "minute": 19}
